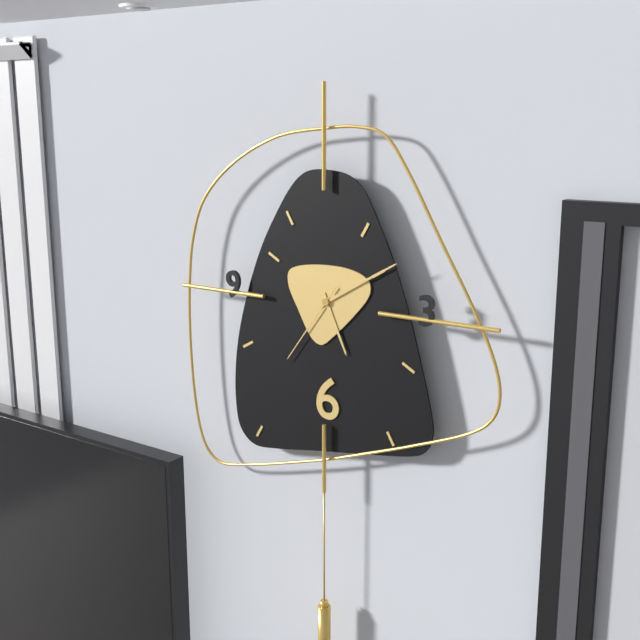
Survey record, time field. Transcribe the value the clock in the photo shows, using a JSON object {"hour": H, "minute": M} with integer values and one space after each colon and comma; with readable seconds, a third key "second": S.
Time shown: {"hour": 5, "minute": 10, "second": 36}
